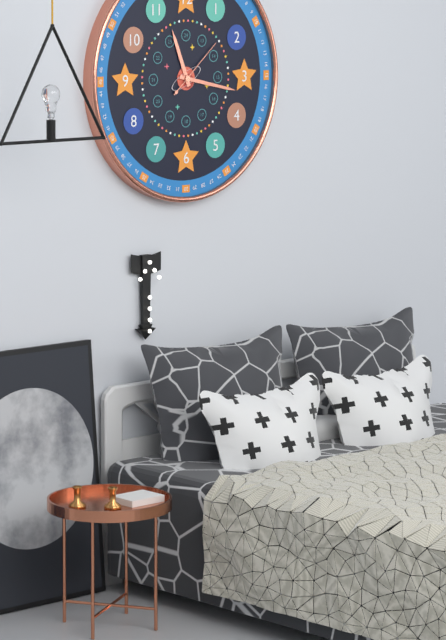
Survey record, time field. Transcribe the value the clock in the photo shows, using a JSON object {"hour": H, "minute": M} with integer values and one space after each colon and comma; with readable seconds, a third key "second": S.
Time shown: {"hour": 11, "minute": 17, "second": 8}
